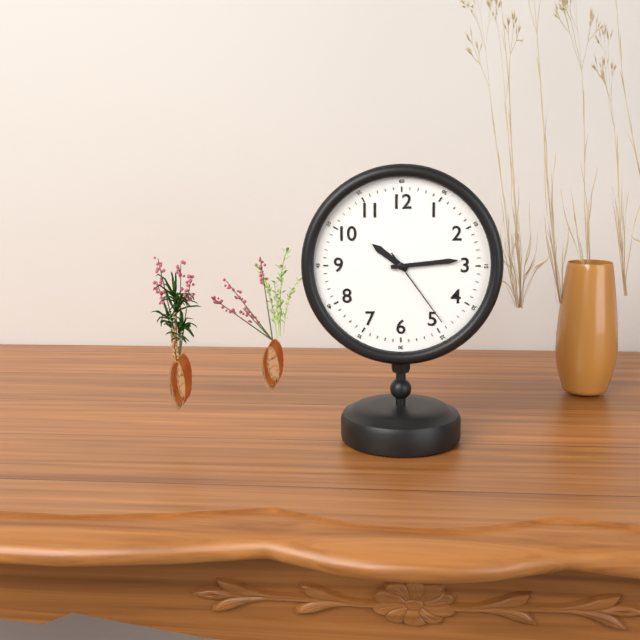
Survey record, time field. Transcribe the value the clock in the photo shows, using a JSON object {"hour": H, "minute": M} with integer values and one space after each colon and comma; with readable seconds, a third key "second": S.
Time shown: {"hour": 10, "minute": 14, "second": 24}
